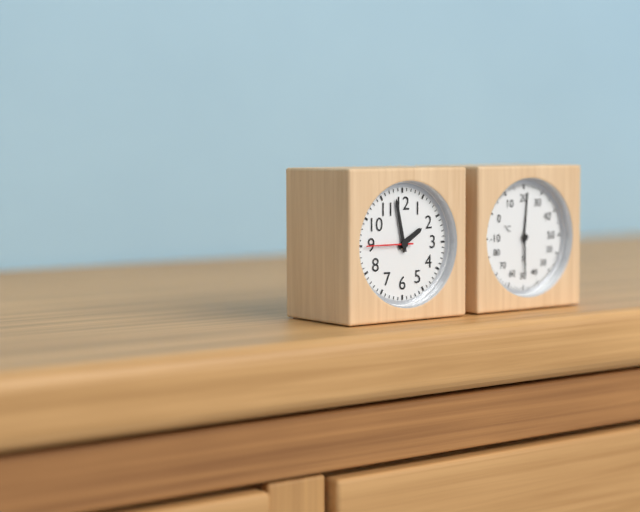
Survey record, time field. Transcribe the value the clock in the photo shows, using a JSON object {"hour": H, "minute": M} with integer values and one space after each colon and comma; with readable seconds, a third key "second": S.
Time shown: {"hour": 1, "minute": 58, "second": 45}
